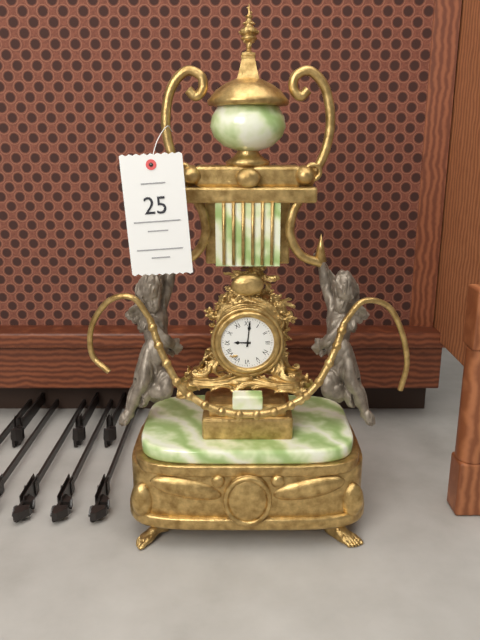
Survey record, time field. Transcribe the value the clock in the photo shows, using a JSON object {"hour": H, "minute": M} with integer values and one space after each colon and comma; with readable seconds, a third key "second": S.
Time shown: {"hour": 9, "minute": 1}
